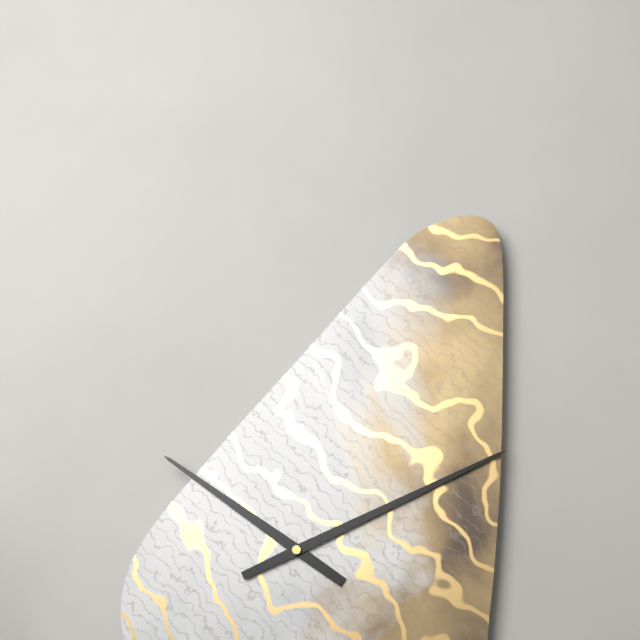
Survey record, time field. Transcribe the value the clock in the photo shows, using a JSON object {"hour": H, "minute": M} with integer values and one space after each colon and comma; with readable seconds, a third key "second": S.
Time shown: {"hour": 10, "minute": 11}
